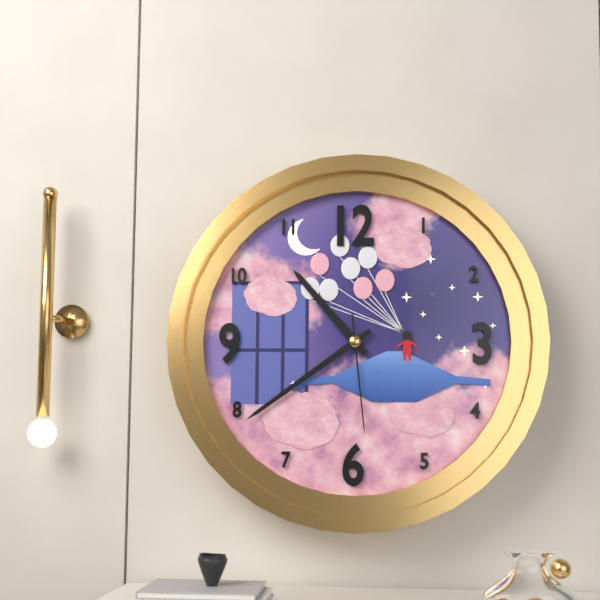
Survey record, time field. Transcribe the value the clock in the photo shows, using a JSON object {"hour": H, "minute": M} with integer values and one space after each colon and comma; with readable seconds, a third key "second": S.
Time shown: {"hour": 10, "minute": 39, "second": 29}
